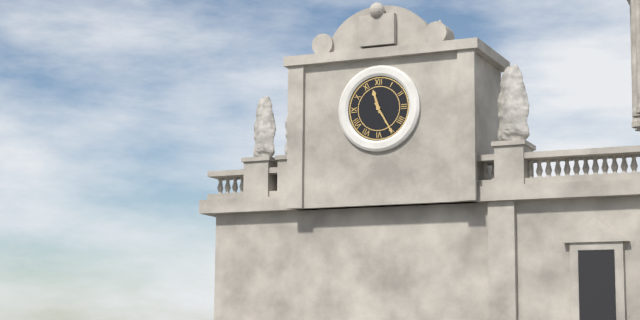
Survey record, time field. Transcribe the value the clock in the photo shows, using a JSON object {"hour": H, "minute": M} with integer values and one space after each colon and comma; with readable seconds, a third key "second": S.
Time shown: {"hour": 11, "minute": 25}
